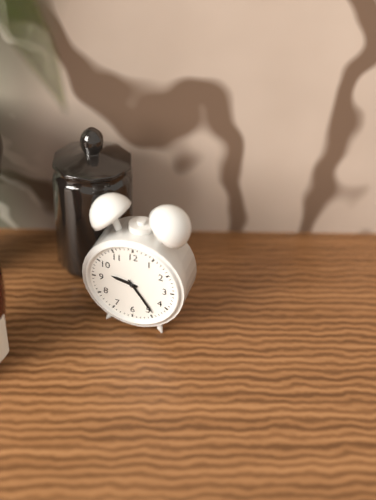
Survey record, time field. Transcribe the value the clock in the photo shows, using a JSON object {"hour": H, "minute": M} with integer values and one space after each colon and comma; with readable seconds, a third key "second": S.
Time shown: {"hour": 9, "minute": 24}
